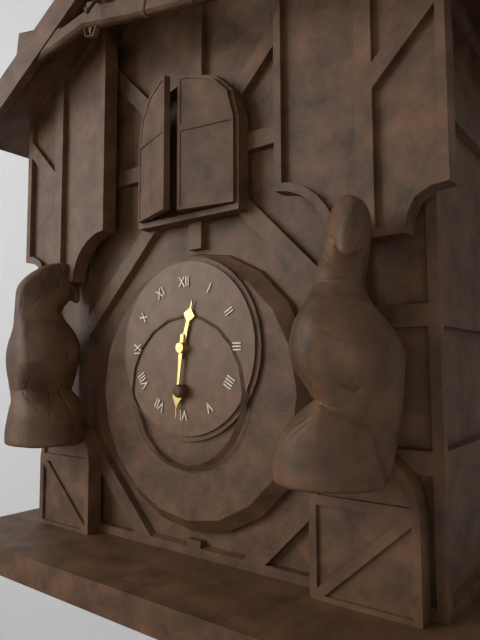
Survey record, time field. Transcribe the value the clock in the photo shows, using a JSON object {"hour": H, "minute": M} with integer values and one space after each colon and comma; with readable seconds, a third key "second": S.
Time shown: {"hour": 12, "minute": 31}
